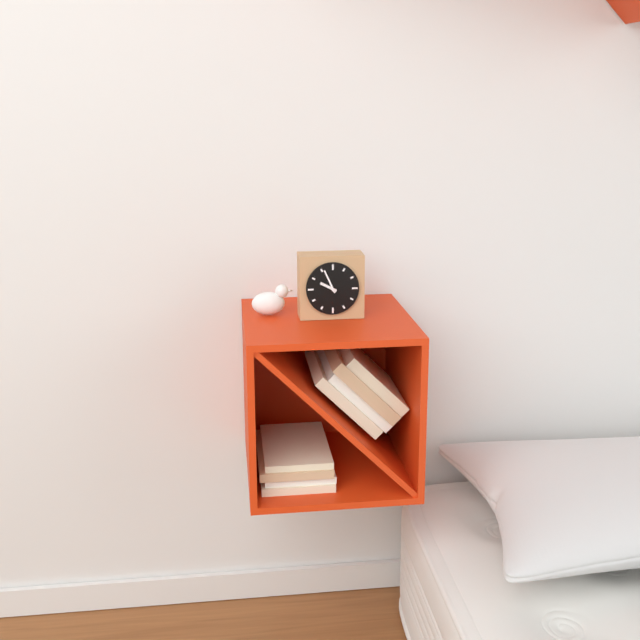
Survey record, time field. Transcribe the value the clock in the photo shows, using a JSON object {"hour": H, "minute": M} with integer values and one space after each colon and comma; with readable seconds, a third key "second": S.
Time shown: {"hour": 9, "minute": 56}
